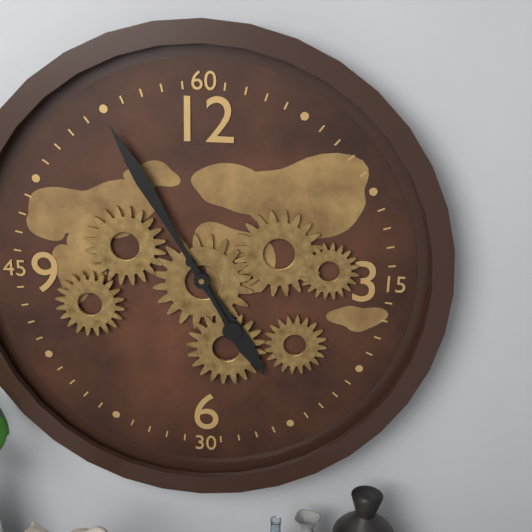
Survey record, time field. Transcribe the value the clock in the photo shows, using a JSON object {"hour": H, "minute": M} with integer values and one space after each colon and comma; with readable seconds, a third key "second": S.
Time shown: {"hour": 4, "minute": 55}
